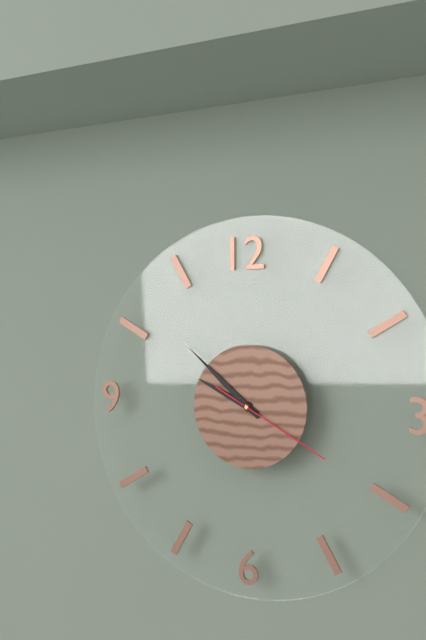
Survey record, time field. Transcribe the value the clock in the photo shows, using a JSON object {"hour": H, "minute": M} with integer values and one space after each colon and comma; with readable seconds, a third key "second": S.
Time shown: {"hour": 9, "minute": 52, "second": 20}
